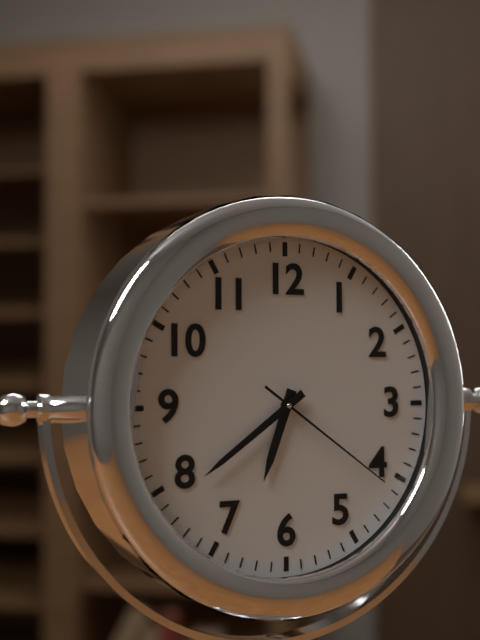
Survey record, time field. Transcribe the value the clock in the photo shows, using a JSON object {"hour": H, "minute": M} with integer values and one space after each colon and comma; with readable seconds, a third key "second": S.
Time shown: {"hour": 6, "minute": 39, "second": 21}
